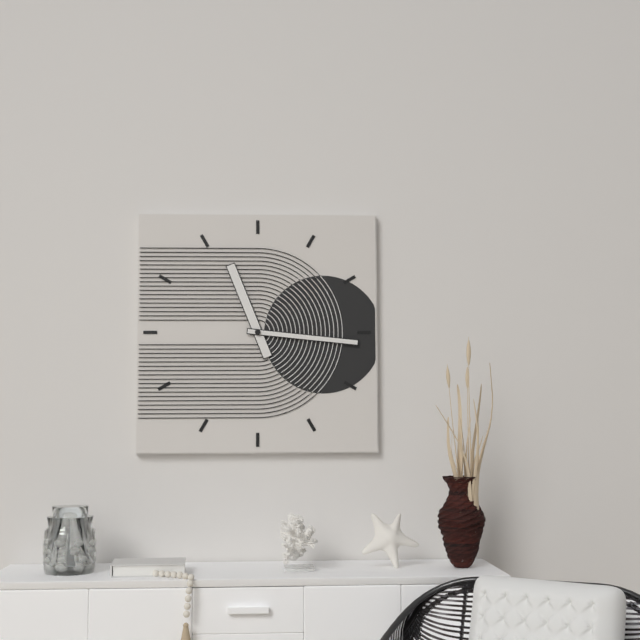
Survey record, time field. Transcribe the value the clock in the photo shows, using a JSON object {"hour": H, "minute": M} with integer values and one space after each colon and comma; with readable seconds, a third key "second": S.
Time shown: {"hour": 11, "minute": 16}
